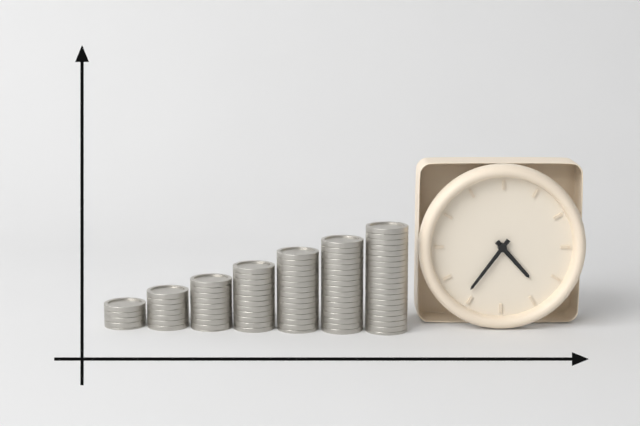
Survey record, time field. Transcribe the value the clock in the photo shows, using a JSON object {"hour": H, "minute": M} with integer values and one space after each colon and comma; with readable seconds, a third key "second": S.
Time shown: {"hour": 4, "minute": 36}
